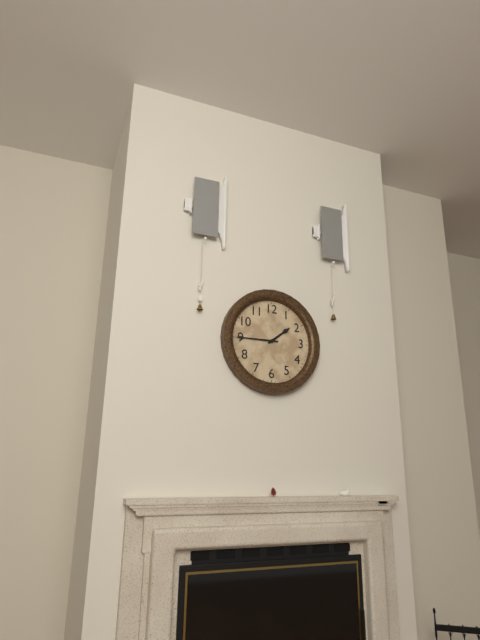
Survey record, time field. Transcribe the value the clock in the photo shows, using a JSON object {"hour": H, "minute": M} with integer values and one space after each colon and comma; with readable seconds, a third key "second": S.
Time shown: {"hour": 1, "minute": 45}
